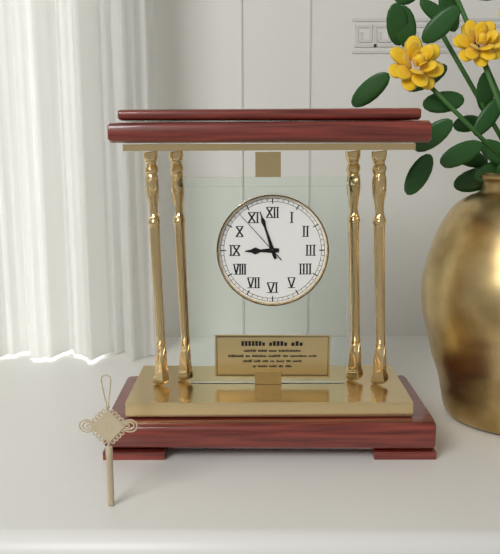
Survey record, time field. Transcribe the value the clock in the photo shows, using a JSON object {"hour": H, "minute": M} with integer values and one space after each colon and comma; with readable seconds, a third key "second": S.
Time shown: {"hour": 8, "minute": 57, "second": 53}
